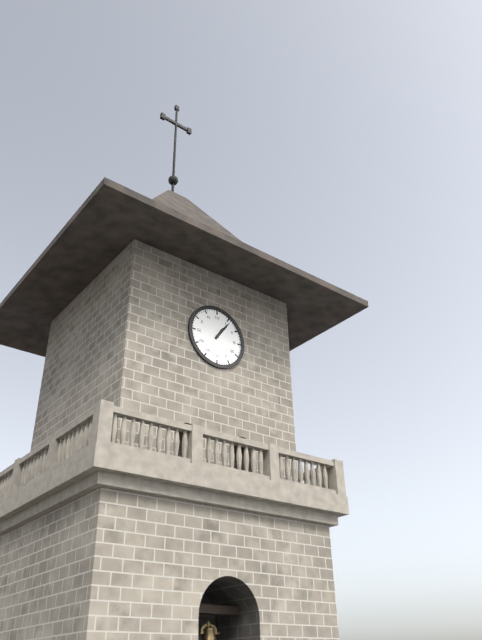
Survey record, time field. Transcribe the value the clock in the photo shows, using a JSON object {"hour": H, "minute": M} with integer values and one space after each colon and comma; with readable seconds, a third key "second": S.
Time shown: {"hour": 1, "minute": 6}
